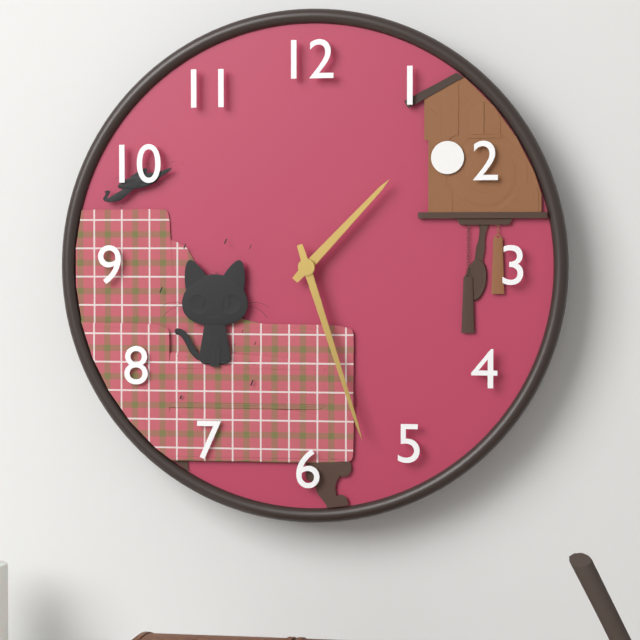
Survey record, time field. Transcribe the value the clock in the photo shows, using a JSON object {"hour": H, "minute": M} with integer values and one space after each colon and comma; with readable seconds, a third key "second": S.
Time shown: {"hour": 1, "minute": 27}
